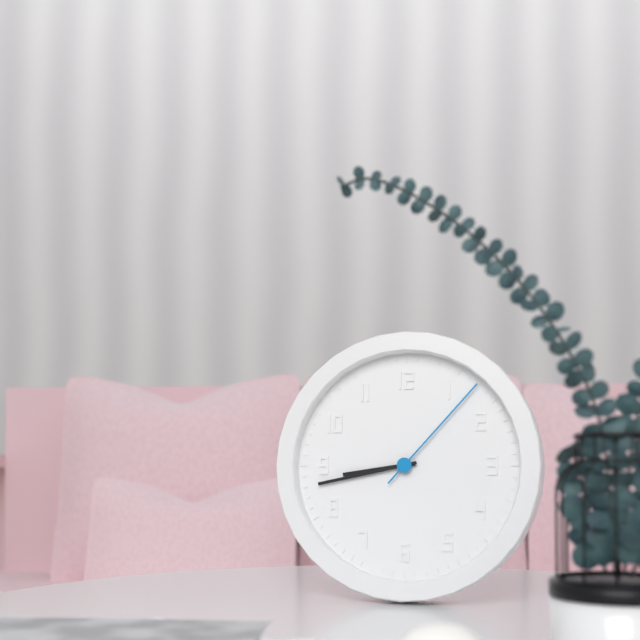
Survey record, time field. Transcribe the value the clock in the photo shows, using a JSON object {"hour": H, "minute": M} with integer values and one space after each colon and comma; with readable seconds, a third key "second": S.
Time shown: {"hour": 8, "minute": 43, "second": 7}
